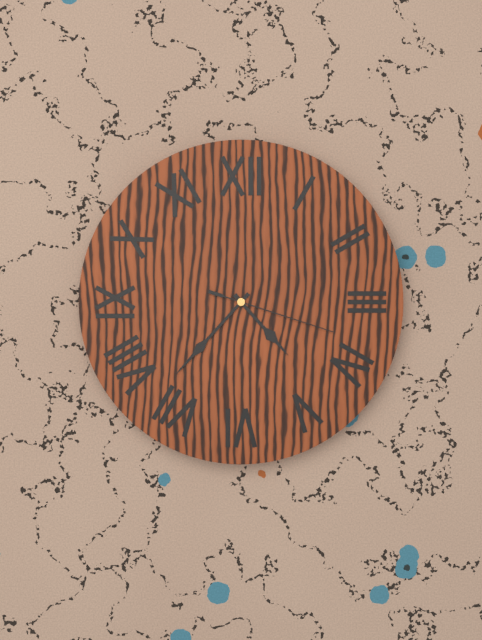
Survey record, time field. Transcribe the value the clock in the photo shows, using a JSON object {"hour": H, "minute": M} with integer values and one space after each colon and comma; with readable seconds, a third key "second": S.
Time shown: {"hour": 4, "minute": 37, "second": 18}
